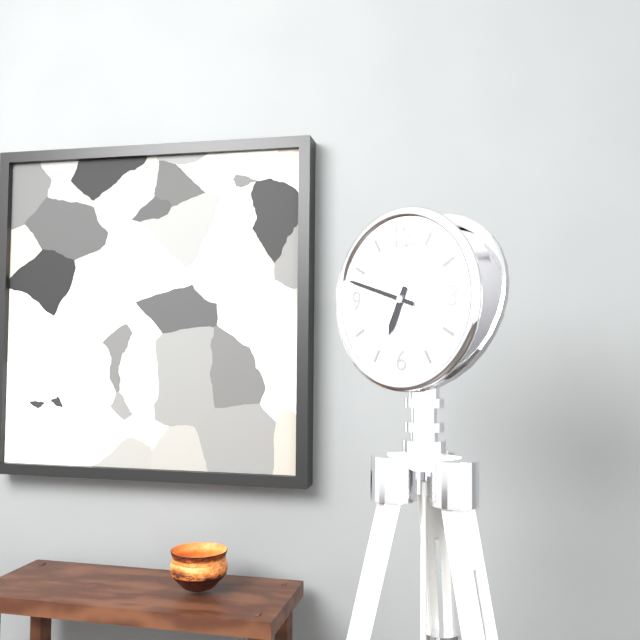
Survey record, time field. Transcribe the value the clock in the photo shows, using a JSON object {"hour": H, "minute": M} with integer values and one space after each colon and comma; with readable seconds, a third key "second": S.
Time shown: {"hour": 6, "minute": 48}
